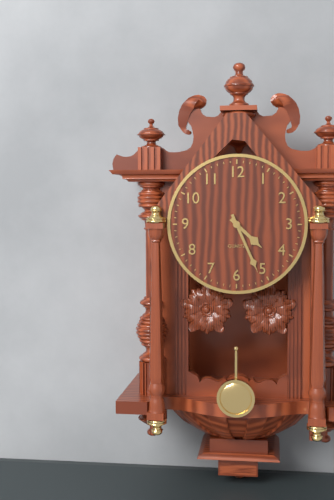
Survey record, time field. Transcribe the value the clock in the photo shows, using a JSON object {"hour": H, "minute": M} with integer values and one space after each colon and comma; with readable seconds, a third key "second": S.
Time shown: {"hour": 4, "minute": 26}
